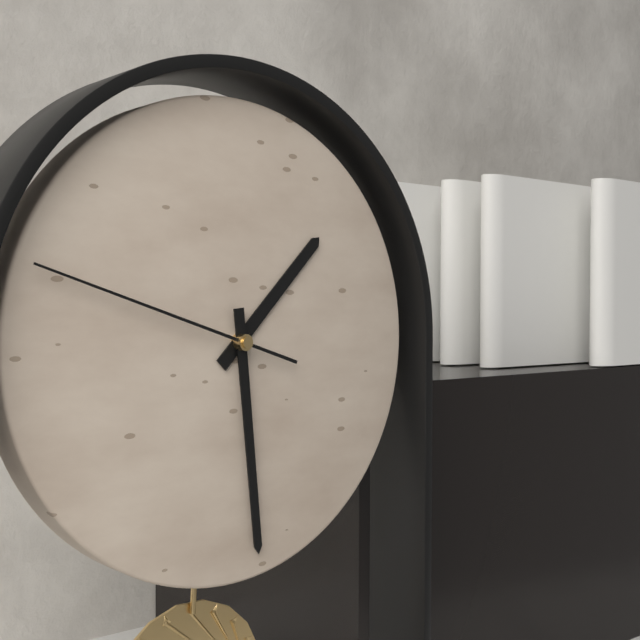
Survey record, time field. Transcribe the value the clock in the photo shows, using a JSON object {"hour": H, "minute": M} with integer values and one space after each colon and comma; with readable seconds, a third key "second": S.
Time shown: {"hour": 1, "minute": 29, "second": 48}
